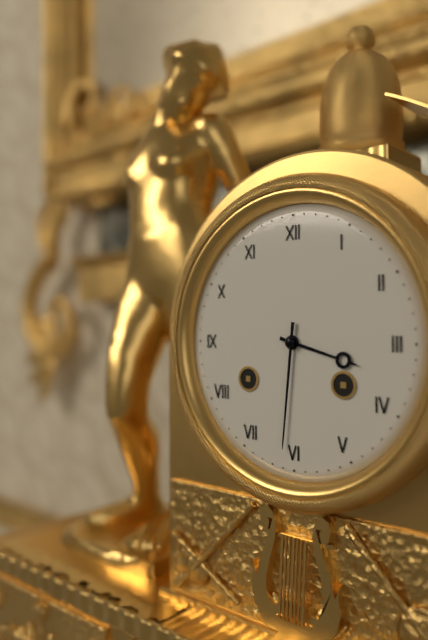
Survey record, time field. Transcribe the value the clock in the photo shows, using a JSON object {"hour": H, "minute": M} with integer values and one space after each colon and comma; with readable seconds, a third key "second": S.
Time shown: {"hour": 3, "minute": 31}
